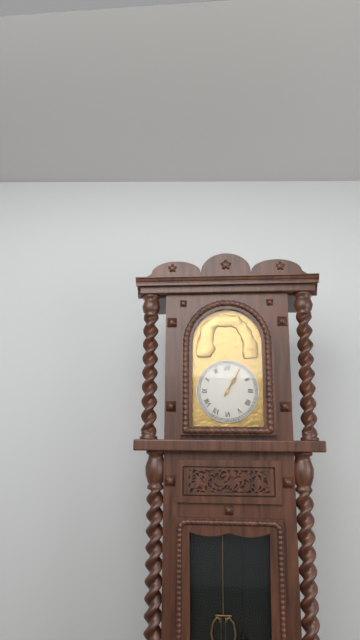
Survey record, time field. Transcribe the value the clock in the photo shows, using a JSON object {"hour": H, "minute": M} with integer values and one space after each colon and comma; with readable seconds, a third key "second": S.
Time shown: {"hour": 1, "minute": 5}
